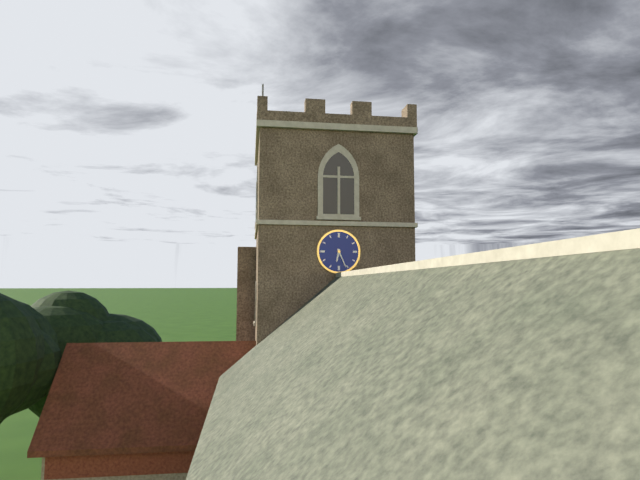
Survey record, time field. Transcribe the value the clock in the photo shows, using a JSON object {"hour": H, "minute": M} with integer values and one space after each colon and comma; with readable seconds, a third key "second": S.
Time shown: {"hour": 6, "minute": 26}
